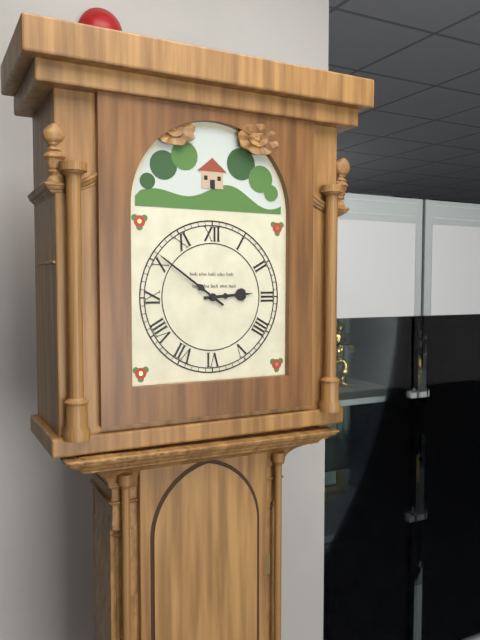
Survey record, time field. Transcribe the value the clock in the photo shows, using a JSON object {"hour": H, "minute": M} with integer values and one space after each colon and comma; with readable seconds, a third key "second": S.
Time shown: {"hour": 2, "minute": 51}
